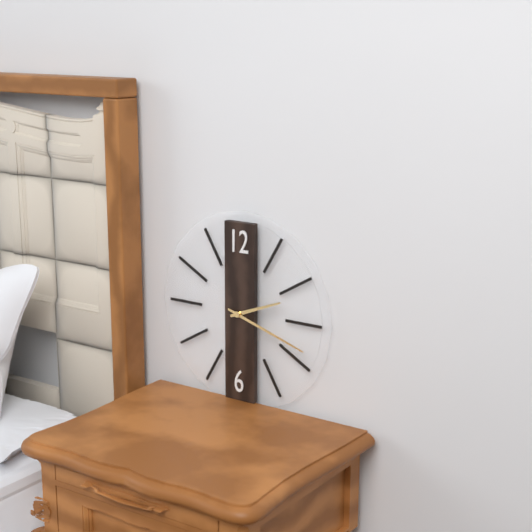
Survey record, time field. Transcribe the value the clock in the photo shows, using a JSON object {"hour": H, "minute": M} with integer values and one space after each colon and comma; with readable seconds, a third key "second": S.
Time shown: {"hour": 2, "minute": 18}
